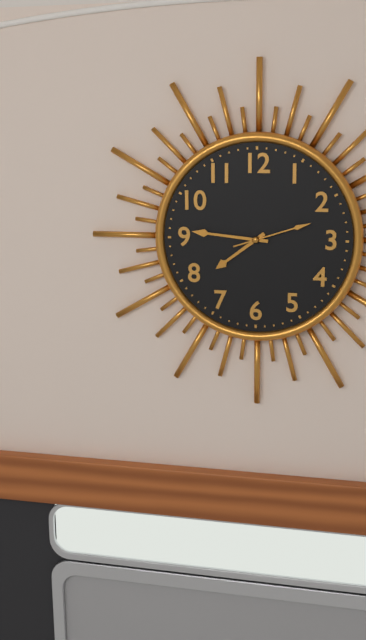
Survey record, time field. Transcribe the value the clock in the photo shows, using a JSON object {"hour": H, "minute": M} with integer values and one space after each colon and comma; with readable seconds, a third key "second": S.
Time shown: {"hour": 7, "minute": 46, "second": 12}
